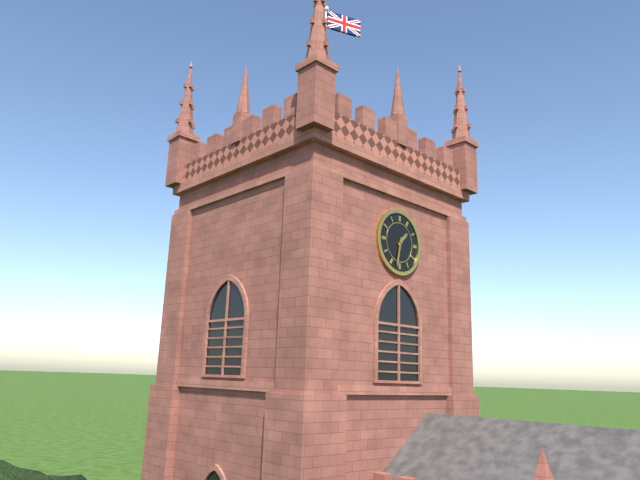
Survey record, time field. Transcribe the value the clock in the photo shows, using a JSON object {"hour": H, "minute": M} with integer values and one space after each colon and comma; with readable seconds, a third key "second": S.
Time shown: {"hour": 1, "minute": 32}
